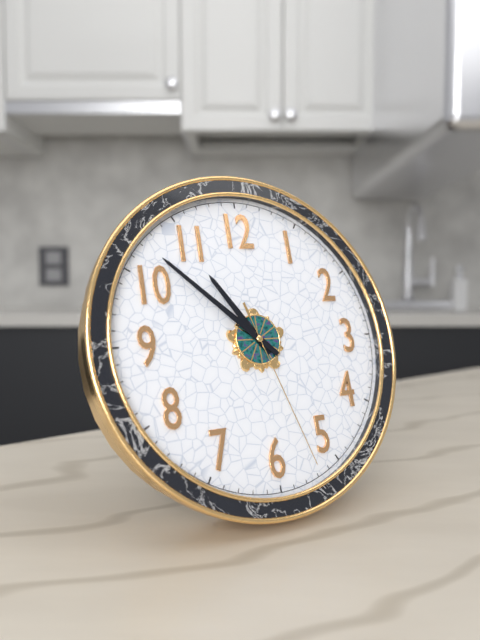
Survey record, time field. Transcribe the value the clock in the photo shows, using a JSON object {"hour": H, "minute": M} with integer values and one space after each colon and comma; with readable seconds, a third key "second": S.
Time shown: {"hour": 10, "minute": 52, "second": 27}
